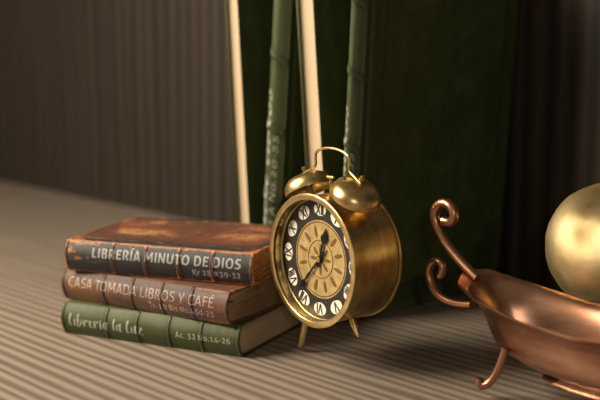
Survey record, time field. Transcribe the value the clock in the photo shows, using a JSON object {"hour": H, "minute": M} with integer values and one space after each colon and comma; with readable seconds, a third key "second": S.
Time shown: {"hour": 12, "minute": 37}
